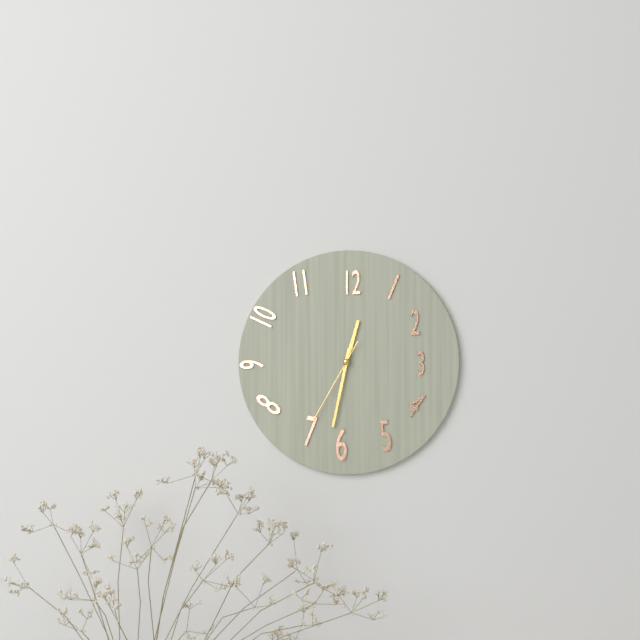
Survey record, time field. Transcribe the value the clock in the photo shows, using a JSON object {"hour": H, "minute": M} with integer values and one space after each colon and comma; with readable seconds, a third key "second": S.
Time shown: {"hour": 12, "minute": 32, "second": 35}
